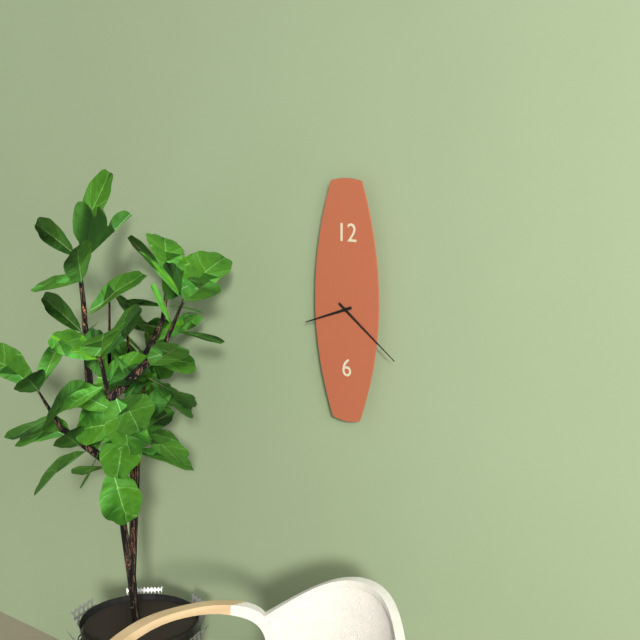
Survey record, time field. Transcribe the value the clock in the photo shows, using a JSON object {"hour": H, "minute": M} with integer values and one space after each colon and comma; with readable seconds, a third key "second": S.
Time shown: {"hour": 8, "minute": 21}
